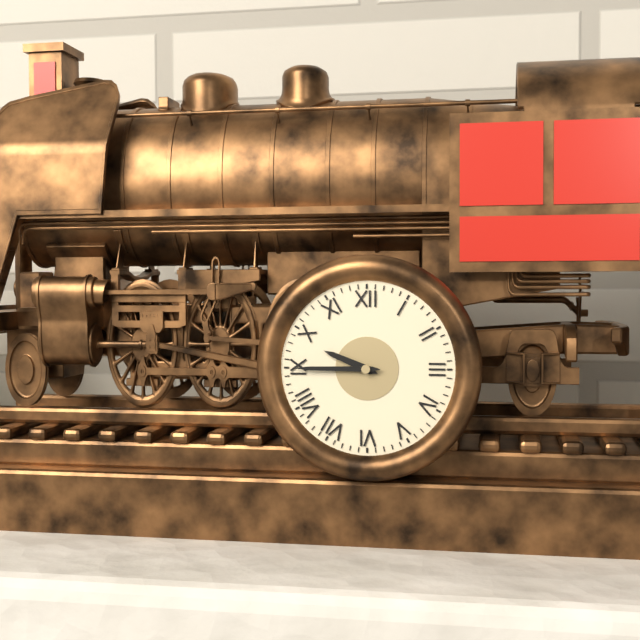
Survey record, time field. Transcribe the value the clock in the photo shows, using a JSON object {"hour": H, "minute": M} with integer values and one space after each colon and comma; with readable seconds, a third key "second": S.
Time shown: {"hour": 9, "minute": 45}
